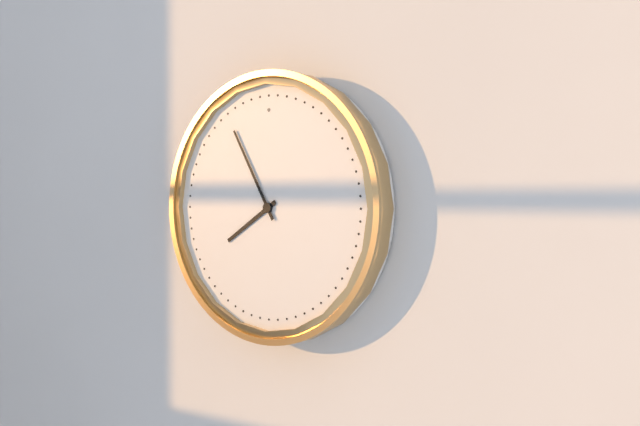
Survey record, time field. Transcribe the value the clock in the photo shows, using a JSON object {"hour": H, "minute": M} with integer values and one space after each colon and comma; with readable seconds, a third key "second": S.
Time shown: {"hour": 7, "minute": 55}
